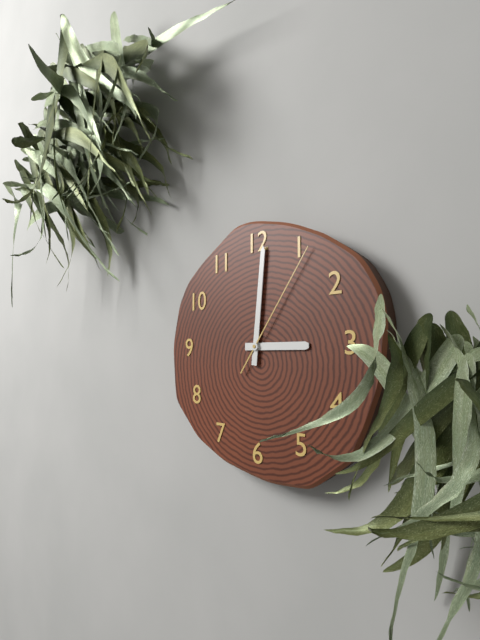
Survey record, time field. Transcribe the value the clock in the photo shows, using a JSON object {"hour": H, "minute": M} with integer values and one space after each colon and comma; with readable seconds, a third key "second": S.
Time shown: {"hour": 3, "minute": 1, "second": 6}
